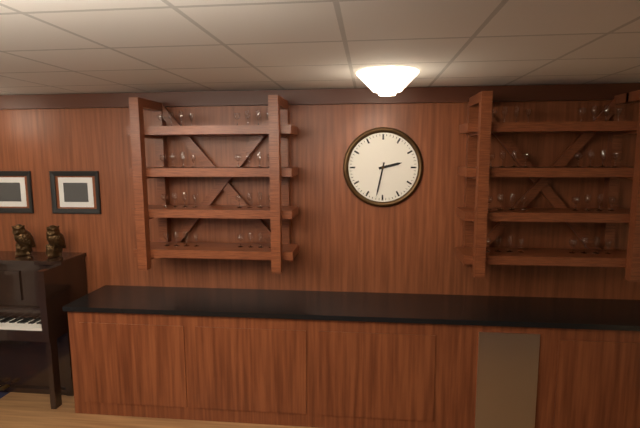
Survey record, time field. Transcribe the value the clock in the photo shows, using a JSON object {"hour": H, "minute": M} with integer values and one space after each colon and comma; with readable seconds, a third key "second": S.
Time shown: {"hour": 2, "minute": 32}
